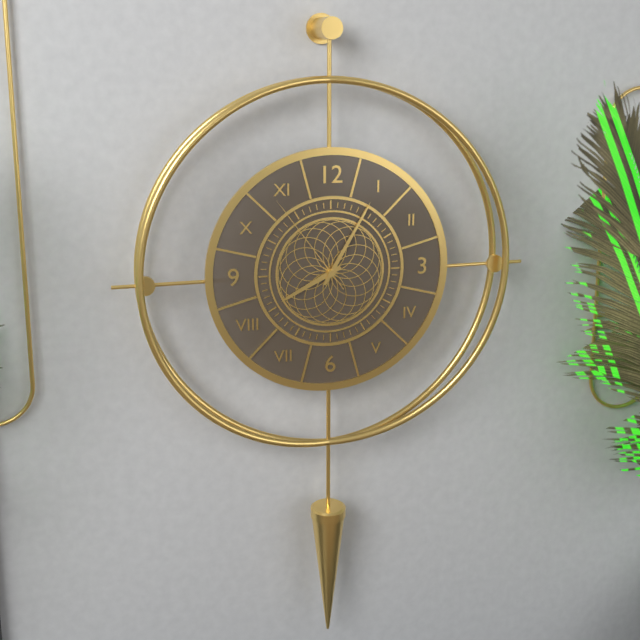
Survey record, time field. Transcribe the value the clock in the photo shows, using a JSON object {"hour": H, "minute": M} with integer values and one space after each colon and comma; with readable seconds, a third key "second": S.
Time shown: {"hour": 8, "minute": 5, "second": 54}
